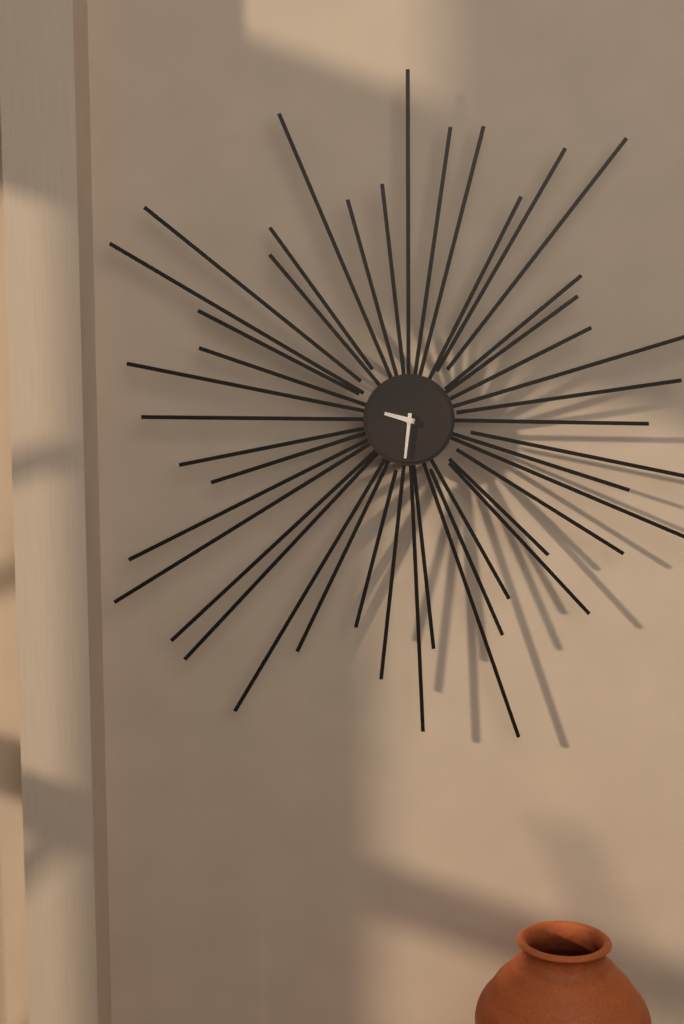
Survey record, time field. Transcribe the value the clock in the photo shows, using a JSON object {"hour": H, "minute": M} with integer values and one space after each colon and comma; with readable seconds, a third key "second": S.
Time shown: {"hour": 9, "minute": 31}
